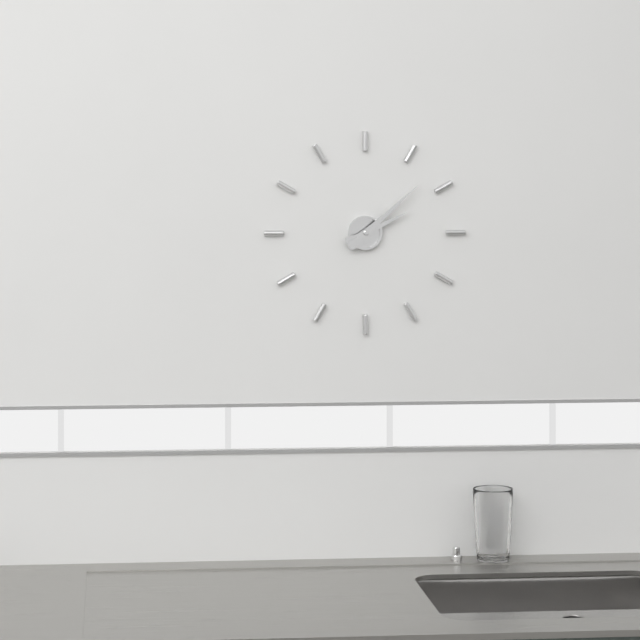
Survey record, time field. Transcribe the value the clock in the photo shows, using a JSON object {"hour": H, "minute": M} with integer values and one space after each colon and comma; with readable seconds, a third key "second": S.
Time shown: {"hour": 2, "minute": 8}
